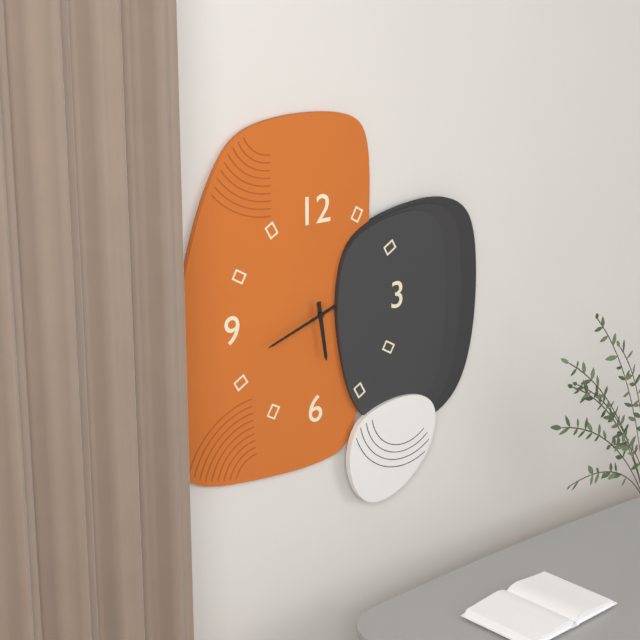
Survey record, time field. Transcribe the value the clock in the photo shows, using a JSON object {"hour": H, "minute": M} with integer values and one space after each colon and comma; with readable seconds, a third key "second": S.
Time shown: {"hour": 5, "minute": 42}
